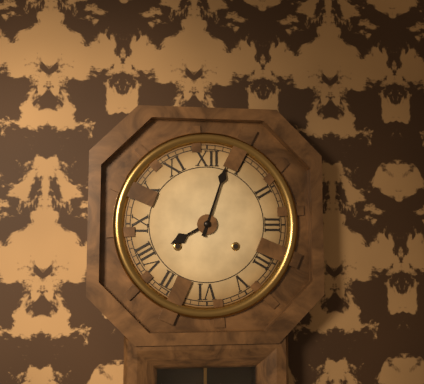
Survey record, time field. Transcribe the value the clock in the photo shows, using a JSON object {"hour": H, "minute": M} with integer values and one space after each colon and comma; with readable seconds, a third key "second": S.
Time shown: {"hour": 8, "minute": 3}
